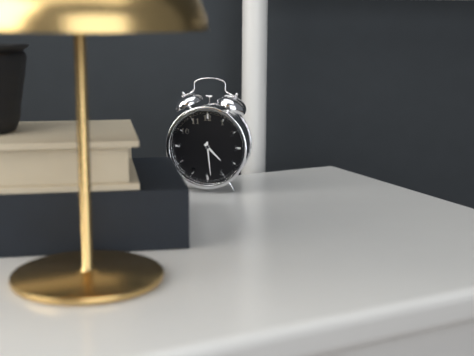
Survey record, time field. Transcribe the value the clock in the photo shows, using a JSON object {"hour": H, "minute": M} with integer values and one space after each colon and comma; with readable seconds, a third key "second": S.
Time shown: {"hour": 4, "minute": 29}
